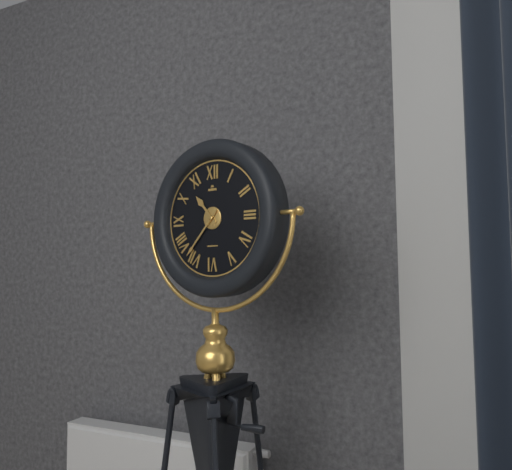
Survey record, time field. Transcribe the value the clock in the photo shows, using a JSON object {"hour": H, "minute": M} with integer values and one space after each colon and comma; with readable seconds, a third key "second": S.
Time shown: {"hour": 10, "minute": 37}
